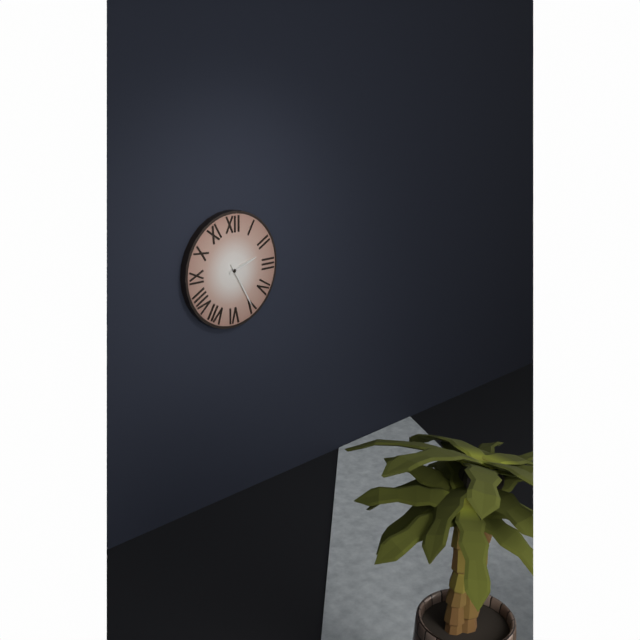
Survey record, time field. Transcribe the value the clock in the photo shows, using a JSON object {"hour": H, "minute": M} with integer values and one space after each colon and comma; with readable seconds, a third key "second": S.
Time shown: {"hour": 2, "minute": 25}
